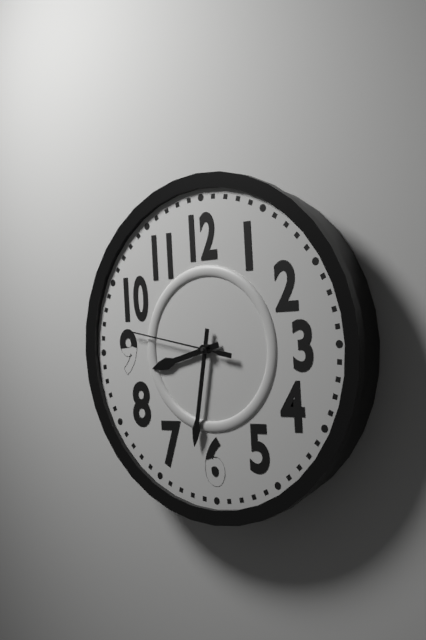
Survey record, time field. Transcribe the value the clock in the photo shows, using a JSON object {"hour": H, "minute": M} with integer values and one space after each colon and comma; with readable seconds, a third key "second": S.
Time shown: {"hour": 8, "minute": 32, "second": 47}
